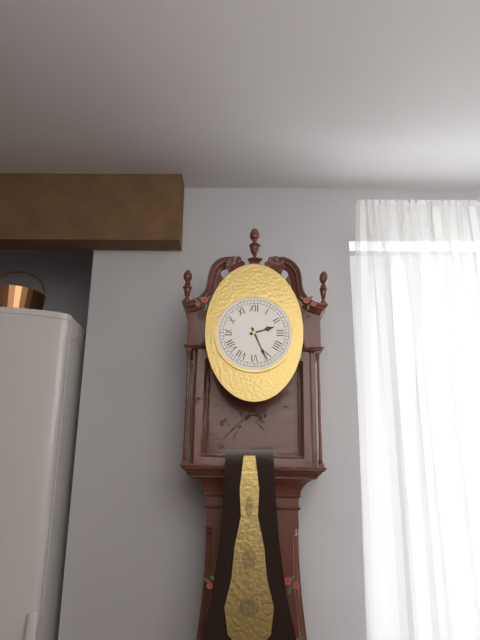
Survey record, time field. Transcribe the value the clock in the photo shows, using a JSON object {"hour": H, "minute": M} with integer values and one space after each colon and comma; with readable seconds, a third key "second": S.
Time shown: {"hour": 2, "minute": 26}
